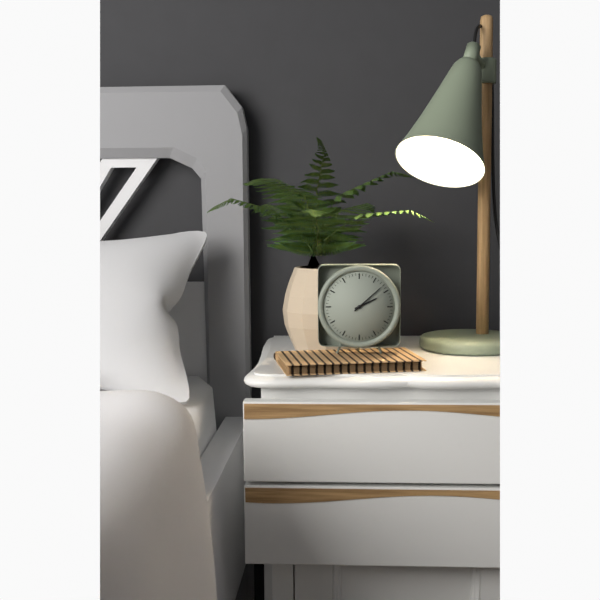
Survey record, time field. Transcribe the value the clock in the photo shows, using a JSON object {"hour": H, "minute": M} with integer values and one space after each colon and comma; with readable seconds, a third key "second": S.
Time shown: {"hour": 2, "minute": 8}
